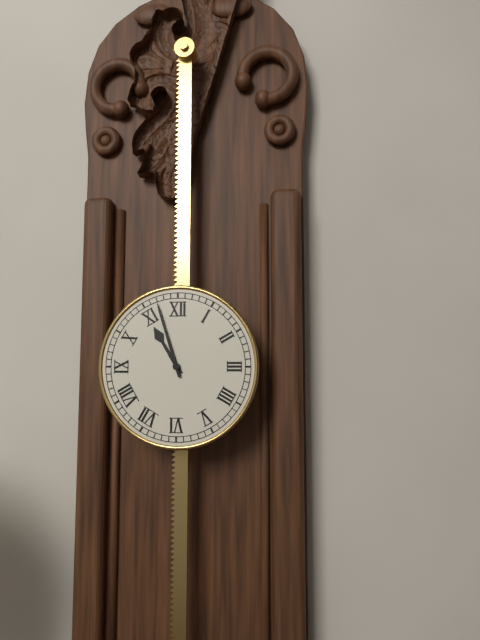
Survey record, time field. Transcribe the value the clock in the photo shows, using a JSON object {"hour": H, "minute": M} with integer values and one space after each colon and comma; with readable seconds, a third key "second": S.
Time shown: {"hour": 10, "minute": 57}
